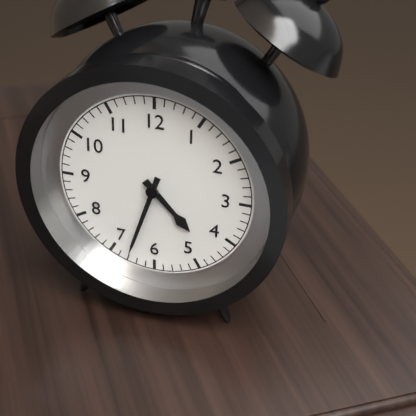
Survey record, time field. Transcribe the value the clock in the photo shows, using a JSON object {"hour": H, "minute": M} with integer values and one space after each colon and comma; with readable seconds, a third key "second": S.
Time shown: {"hour": 4, "minute": 33}
